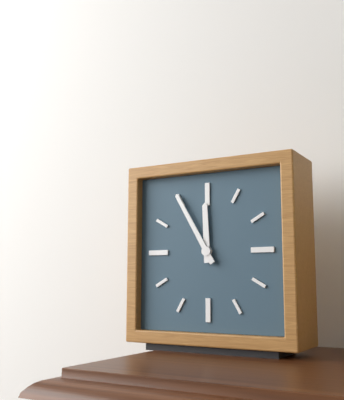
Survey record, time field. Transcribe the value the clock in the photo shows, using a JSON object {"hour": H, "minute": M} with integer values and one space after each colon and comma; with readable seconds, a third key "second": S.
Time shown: {"hour": 11, "minute": 55}
